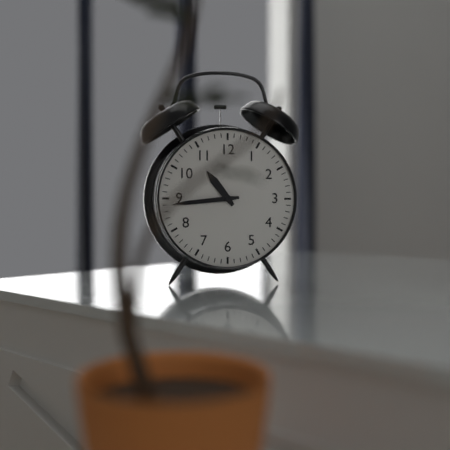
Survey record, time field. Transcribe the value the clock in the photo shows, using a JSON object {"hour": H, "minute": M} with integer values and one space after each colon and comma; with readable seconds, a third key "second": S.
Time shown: {"hour": 10, "minute": 44}
